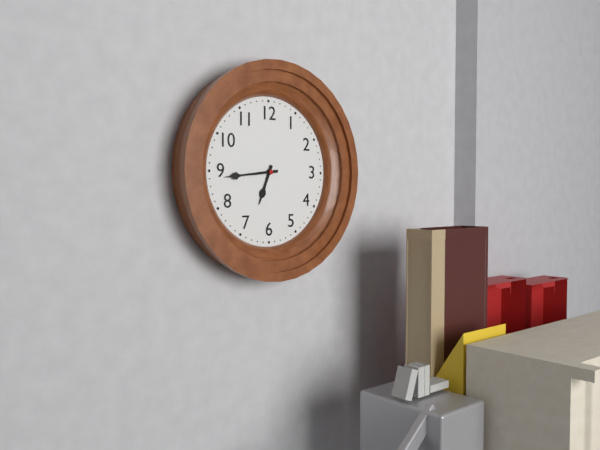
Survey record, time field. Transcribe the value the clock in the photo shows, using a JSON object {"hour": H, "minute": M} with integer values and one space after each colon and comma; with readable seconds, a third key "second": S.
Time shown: {"hour": 6, "minute": 44}
